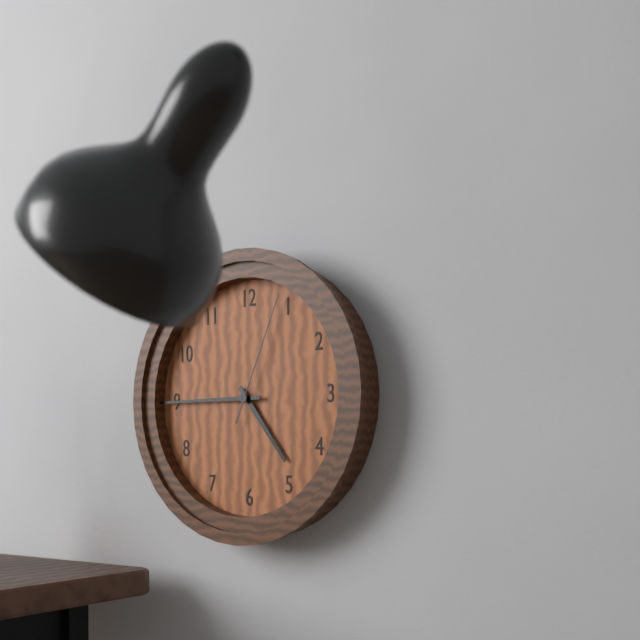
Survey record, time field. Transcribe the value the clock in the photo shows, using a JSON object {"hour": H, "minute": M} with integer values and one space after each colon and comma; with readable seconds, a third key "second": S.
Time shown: {"hour": 4, "minute": 45, "second": 4}
